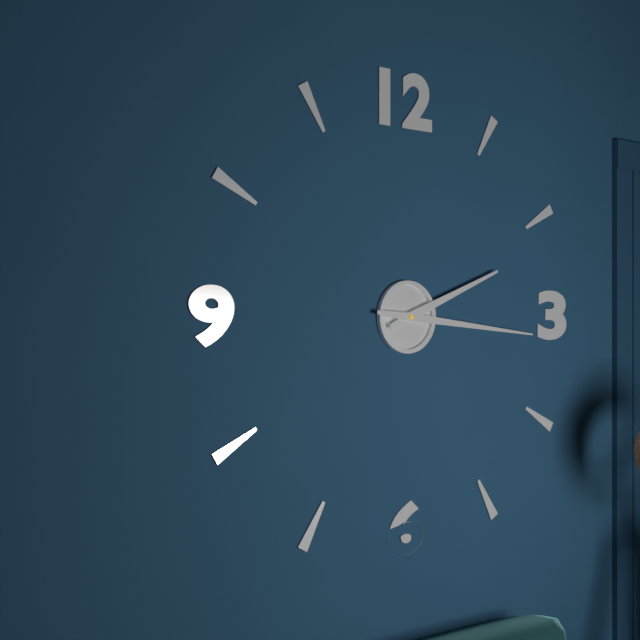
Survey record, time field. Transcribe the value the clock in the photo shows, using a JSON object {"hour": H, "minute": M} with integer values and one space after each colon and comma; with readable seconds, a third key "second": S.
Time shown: {"hour": 2, "minute": 16}
